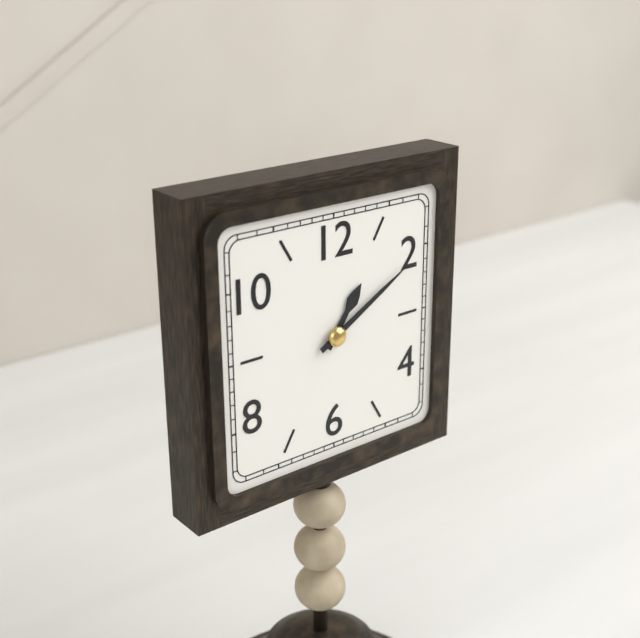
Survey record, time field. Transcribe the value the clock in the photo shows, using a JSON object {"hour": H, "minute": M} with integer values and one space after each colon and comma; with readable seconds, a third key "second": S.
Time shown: {"hour": 1, "minute": 10}
